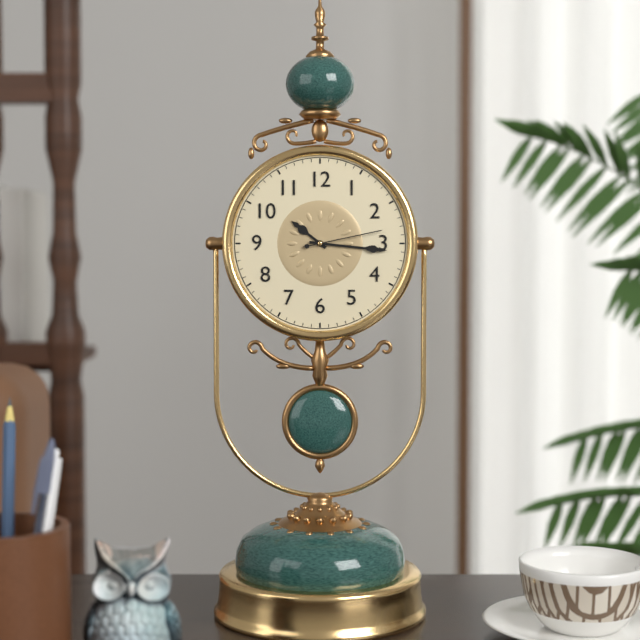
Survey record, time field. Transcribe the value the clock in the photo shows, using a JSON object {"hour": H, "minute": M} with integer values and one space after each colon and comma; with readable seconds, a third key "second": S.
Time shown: {"hour": 10, "minute": 16, "second": 13}
